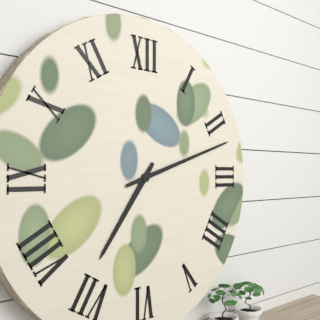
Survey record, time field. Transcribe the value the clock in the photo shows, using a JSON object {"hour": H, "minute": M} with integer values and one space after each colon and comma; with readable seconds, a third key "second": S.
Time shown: {"hour": 7, "minute": 12}
